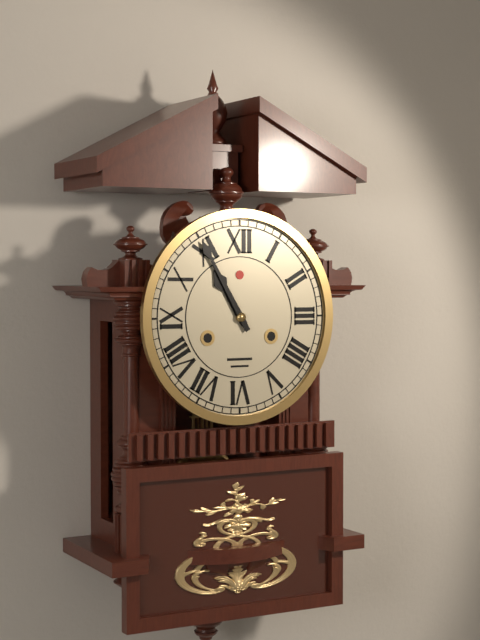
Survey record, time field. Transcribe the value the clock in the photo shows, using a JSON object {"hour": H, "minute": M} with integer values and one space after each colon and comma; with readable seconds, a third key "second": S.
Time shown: {"hour": 10, "minute": 55}
